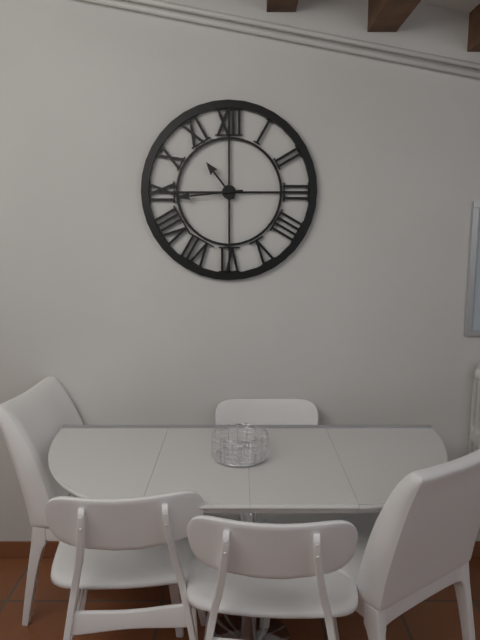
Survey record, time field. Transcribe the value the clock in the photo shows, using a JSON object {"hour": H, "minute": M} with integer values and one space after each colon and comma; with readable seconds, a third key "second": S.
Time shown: {"hour": 10, "minute": 44}
